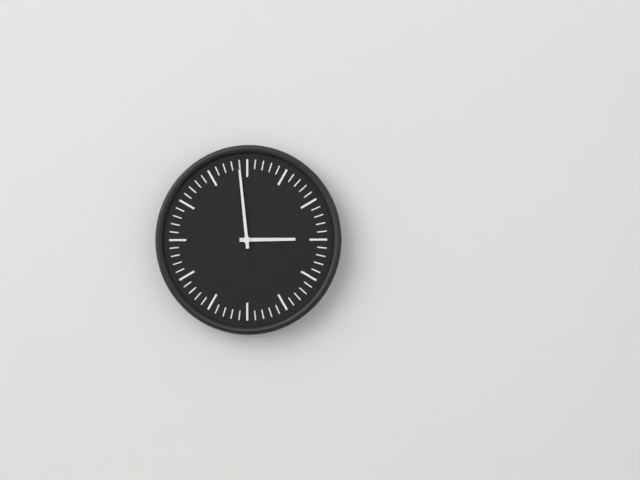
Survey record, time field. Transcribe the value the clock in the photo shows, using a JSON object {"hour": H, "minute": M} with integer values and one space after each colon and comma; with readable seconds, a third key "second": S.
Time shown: {"hour": 2, "minute": 59}
